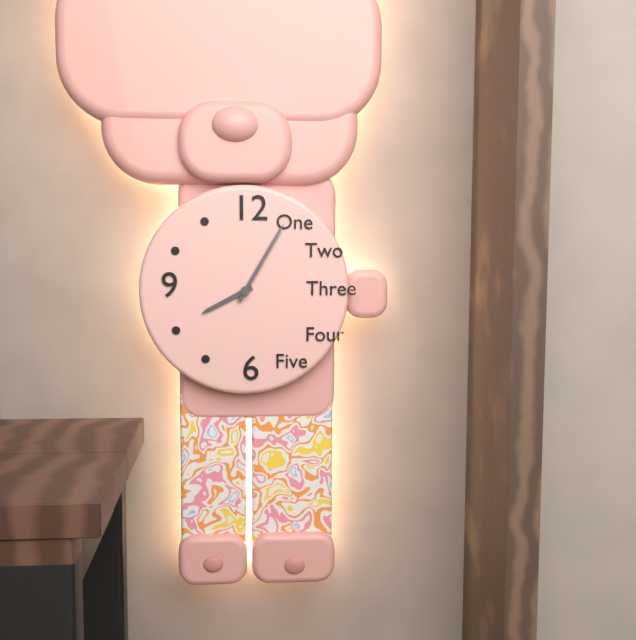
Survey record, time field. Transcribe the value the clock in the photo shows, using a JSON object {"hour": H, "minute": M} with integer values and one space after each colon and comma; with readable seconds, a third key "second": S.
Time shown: {"hour": 8, "minute": 5}
